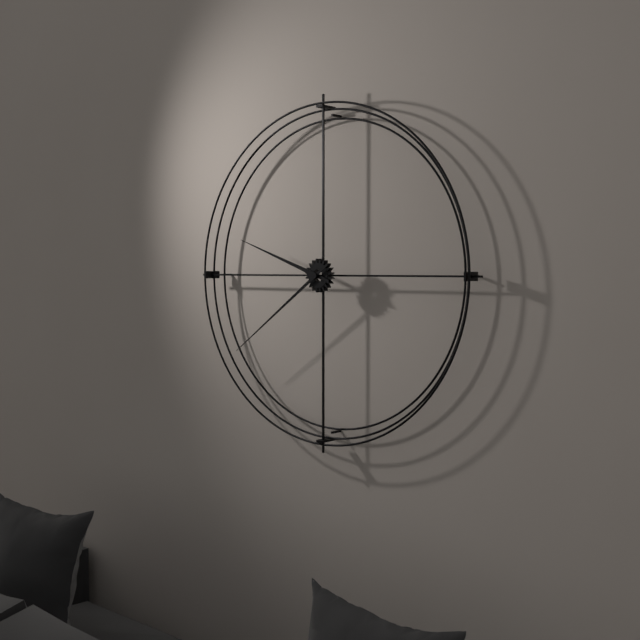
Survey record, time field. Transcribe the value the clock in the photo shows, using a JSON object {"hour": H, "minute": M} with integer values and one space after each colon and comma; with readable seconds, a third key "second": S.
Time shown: {"hour": 9, "minute": 39}
